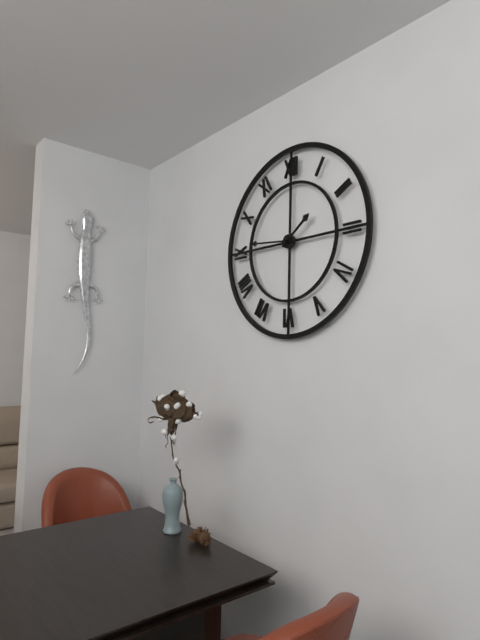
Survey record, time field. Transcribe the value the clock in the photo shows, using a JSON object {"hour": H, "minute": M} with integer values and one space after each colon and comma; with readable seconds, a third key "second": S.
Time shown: {"hour": 1, "minute": 46}
